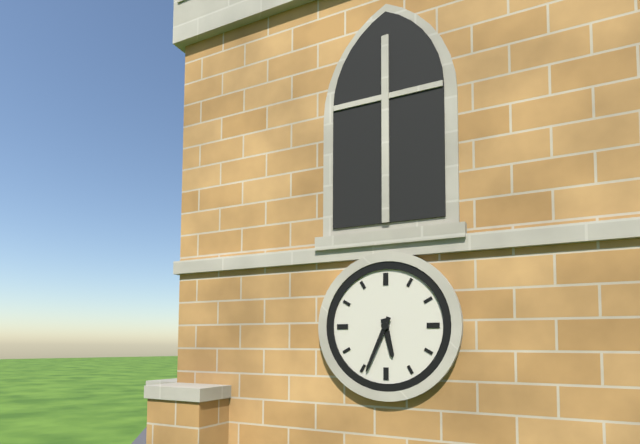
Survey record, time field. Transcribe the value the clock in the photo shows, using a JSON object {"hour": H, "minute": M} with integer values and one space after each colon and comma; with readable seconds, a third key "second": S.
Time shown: {"hour": 5, "minute": 34}
